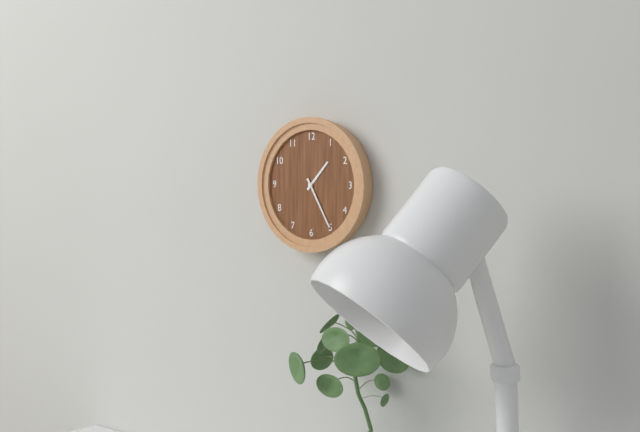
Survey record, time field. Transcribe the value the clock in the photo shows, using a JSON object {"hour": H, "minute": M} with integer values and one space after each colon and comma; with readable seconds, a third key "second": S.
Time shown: {"hour": 1, "minute": 25}
